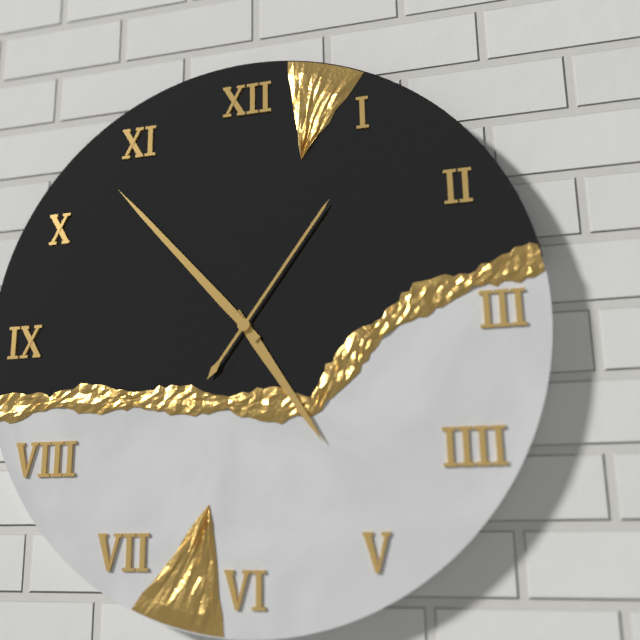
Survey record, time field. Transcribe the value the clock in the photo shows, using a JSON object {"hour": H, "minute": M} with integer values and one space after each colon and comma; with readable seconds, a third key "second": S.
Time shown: {"hour": 4, "minute": 53, "second": 6}
